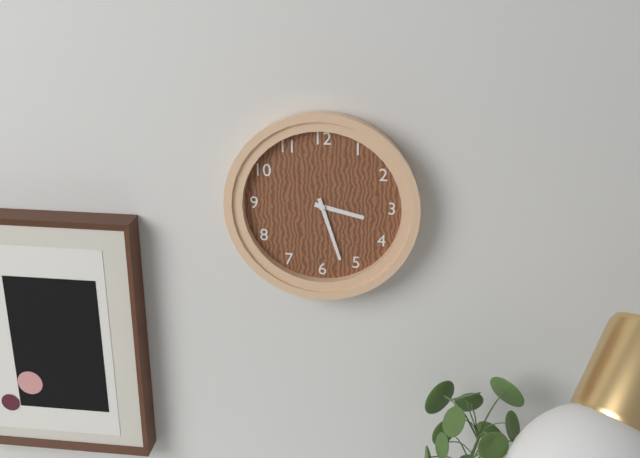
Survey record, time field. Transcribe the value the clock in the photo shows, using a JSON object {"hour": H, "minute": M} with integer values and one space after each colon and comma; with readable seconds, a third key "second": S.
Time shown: {"hour": 3, "minute": 27}
